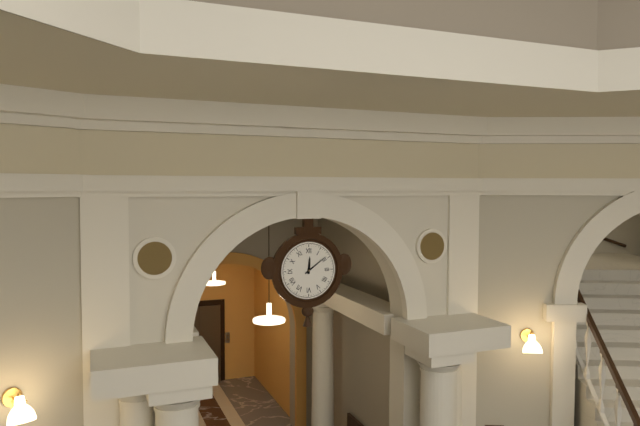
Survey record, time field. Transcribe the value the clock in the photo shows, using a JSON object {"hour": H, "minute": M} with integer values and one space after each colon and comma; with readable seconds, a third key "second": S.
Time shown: {"hour": 12, "minute": 9}
